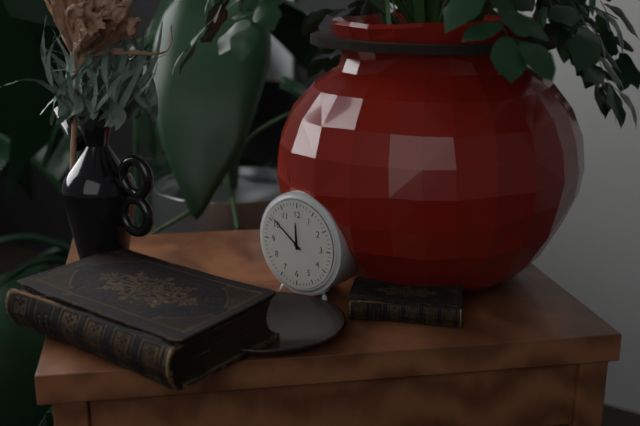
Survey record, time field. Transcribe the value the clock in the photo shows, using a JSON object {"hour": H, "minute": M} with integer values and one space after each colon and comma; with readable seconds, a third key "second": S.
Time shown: {"hour": 11, "minute": 51}
